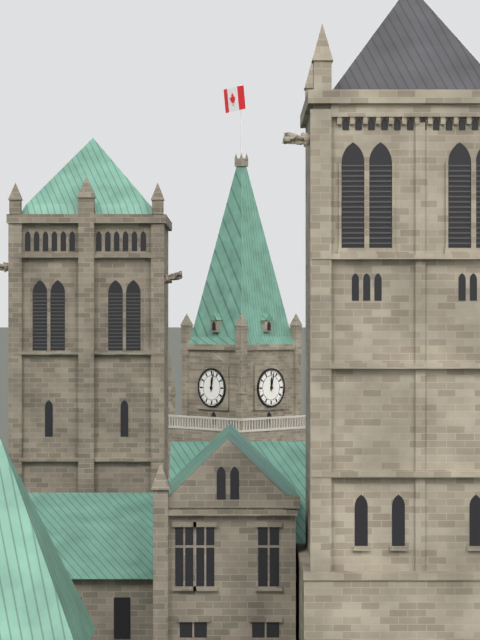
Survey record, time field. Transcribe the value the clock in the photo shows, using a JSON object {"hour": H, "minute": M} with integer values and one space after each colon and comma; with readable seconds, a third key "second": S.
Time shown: {"hour": 12, "minute": 2}
